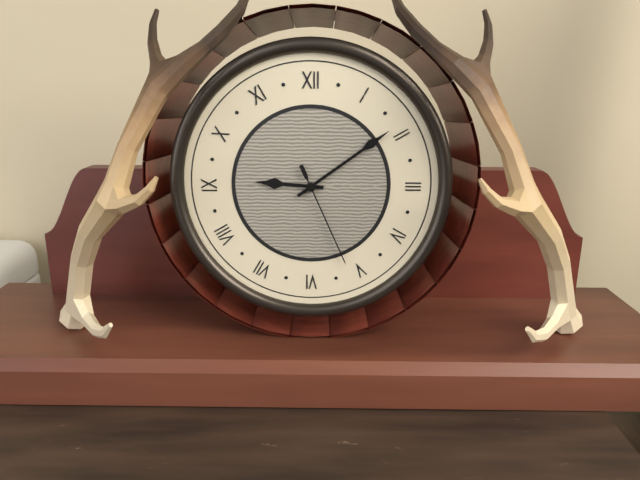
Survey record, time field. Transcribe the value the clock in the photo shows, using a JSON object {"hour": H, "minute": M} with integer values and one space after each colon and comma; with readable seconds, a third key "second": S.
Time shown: {"hour": 9, "minute": 9, "second": 26}
